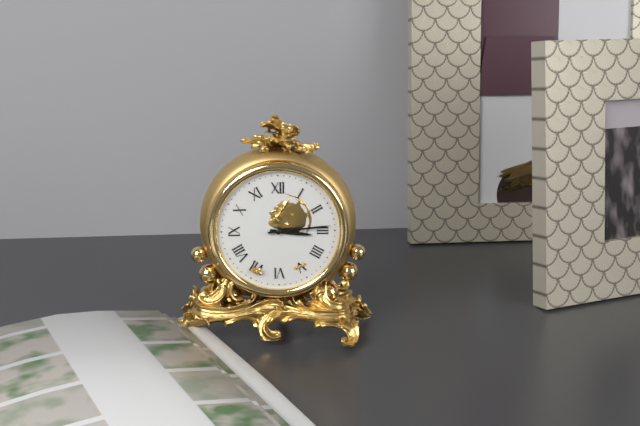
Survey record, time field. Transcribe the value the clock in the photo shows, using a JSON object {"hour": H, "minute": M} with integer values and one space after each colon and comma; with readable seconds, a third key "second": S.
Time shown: {"hour": 3, "minute": 14}
